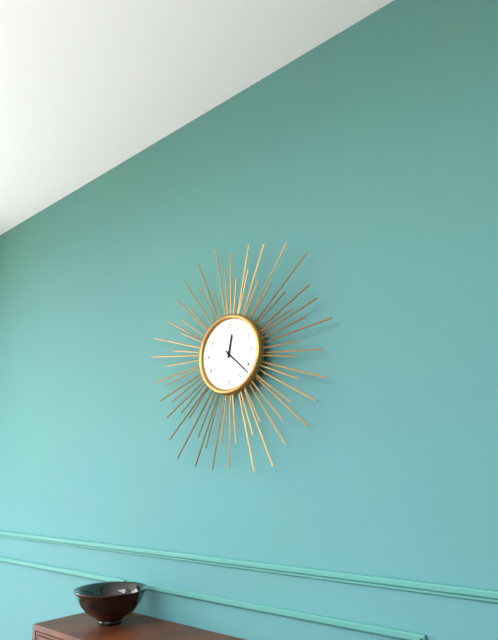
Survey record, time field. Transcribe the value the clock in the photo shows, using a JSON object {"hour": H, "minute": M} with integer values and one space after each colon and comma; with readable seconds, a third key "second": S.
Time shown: {"hour": 12, "minute": 22}
